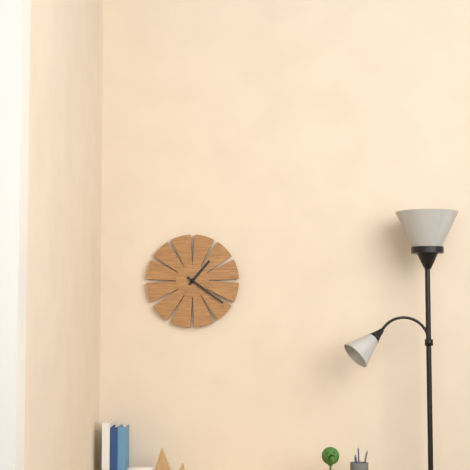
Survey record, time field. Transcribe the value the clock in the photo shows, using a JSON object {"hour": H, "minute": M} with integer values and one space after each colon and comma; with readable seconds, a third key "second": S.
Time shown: {"hour": 1, "minute": 21}
